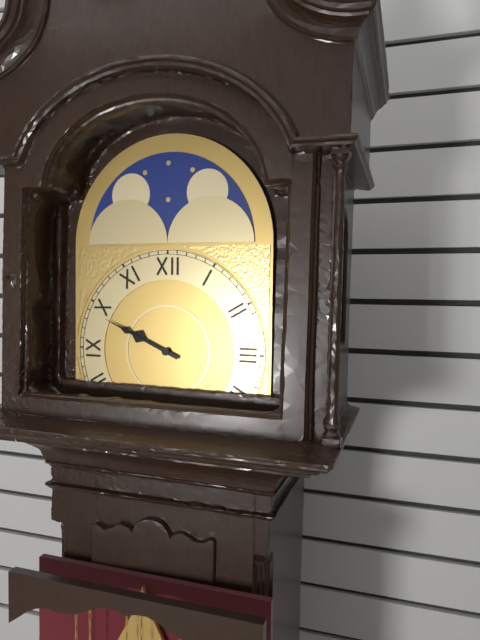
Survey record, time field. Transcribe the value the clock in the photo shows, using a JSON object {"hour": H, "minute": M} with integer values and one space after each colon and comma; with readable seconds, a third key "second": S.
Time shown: {"hour": 9, "minute": 49}
